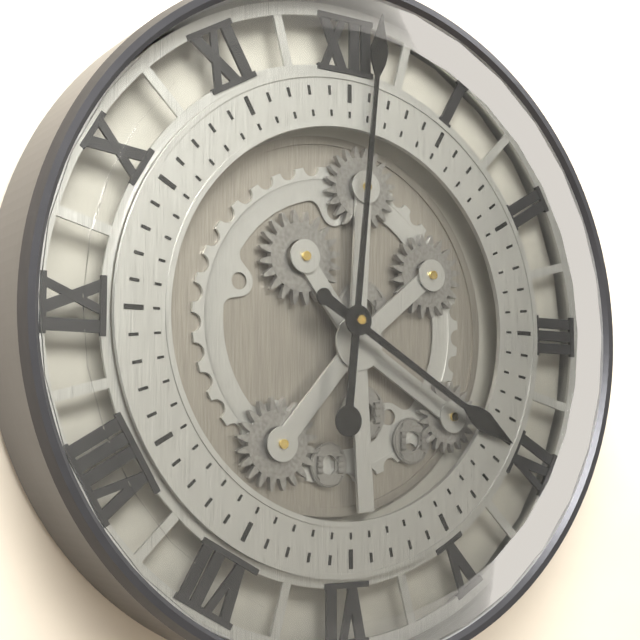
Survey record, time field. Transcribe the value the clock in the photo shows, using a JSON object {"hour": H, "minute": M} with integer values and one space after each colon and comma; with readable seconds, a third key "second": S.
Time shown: {"hour": 4, "minute": 1}
